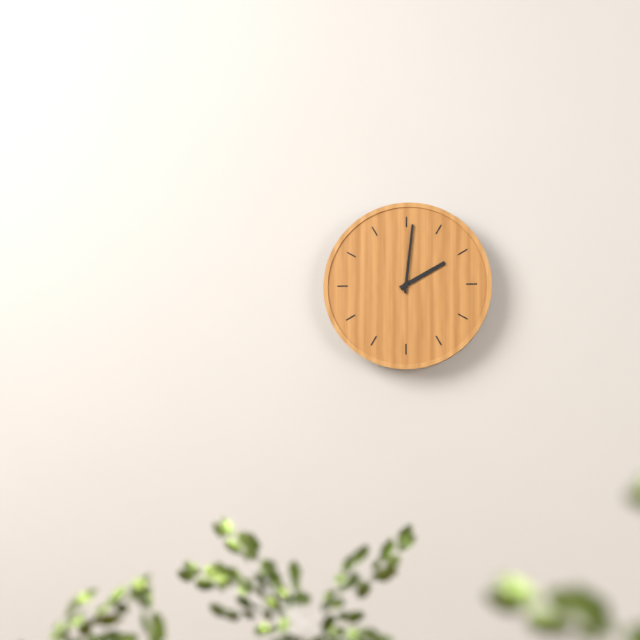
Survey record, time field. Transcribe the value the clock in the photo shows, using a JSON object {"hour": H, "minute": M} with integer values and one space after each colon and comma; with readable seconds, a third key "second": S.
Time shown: {"hour": 2, "minute": 1}
